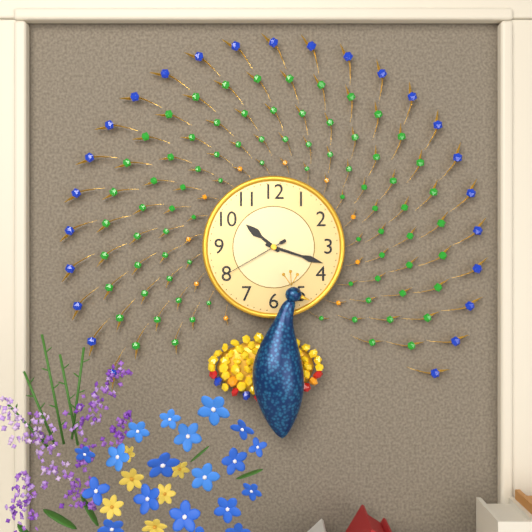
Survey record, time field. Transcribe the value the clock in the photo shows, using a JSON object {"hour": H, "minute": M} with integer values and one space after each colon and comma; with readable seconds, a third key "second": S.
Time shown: {"hour": 10, "minute": 18, "second": 40}
